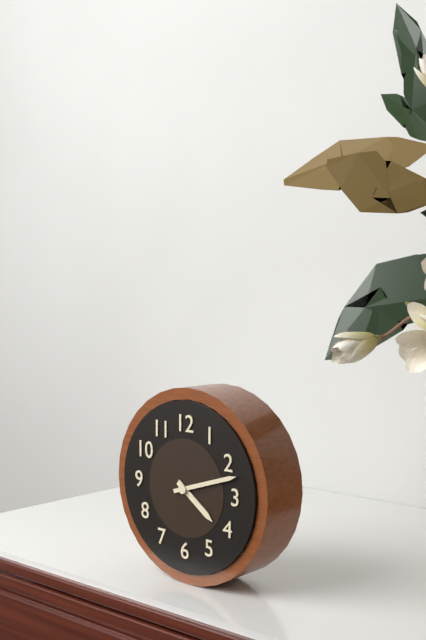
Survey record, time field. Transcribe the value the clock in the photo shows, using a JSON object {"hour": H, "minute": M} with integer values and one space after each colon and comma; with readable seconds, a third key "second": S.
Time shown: {"hour": 4, "minute": 12}
